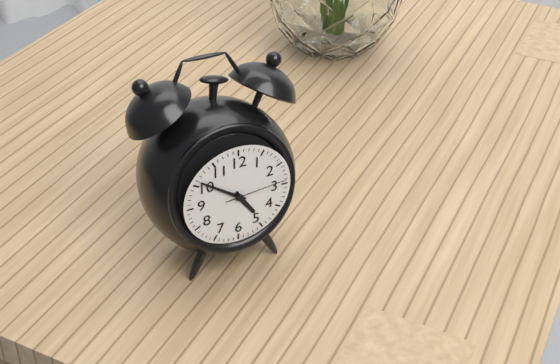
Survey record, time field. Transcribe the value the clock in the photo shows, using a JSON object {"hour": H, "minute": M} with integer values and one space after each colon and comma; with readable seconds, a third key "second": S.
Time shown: {"hour": 4, "minute": 51, "second": 14}
